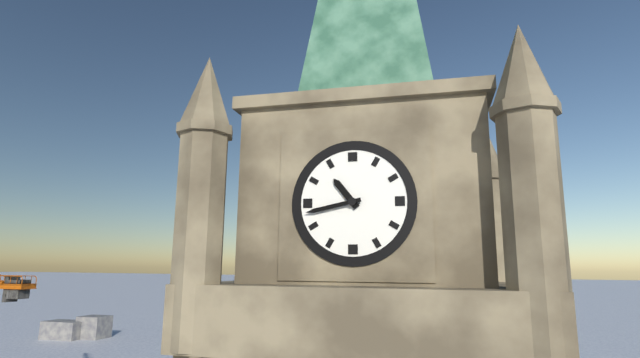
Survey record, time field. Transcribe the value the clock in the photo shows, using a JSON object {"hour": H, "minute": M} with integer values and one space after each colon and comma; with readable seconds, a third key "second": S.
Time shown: {"hour": 10, "minute": 43}
